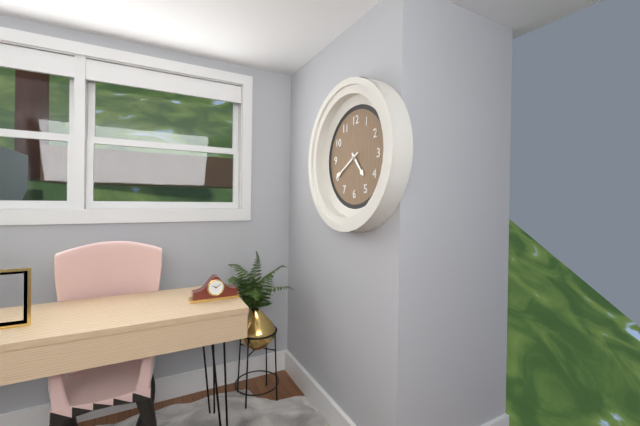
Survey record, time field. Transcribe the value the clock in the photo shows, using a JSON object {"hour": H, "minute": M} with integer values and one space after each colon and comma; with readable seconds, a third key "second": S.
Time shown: {"hour": 4, "minute": 40}
